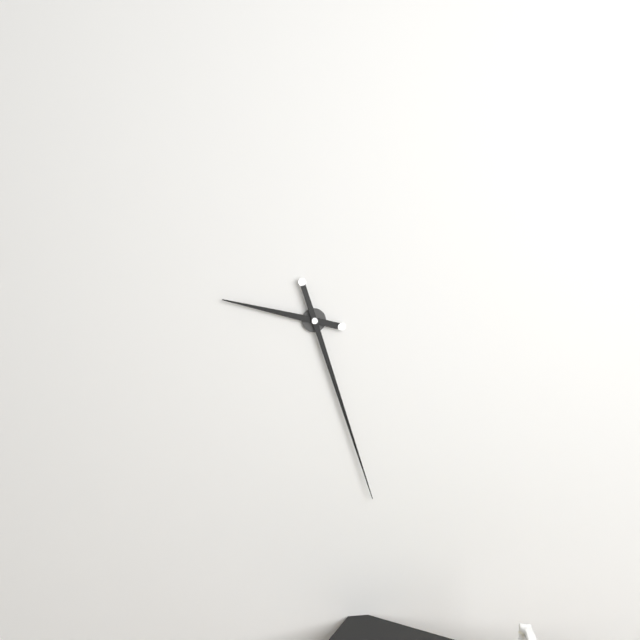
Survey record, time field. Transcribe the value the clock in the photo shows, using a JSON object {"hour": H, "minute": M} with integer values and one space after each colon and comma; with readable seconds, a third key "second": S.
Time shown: {"hour": 9, "minute": 27}
